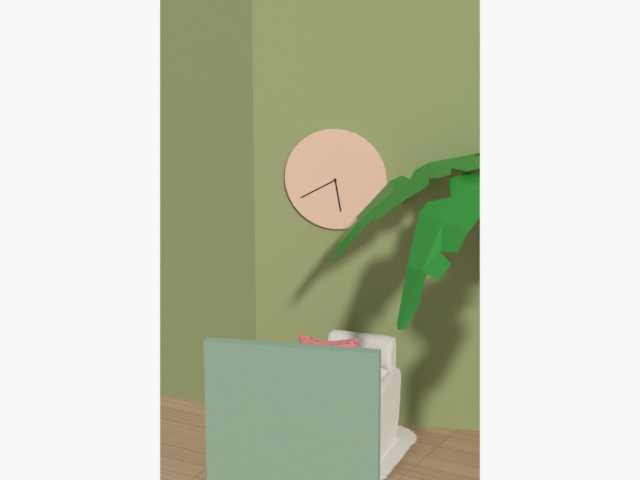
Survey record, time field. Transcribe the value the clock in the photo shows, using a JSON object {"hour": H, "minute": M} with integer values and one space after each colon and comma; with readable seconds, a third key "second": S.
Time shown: {"hour": 5, "minute": 40}
